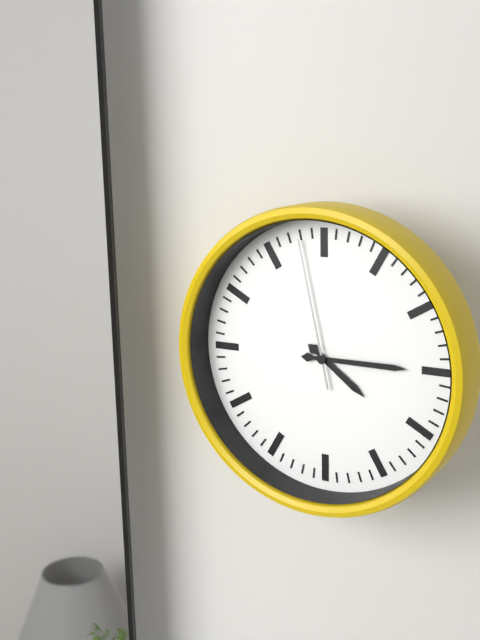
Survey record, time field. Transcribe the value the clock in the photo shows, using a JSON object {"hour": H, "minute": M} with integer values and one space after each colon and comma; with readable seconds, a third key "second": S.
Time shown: {"hour": 4, "minute": 15, "second": 58}
